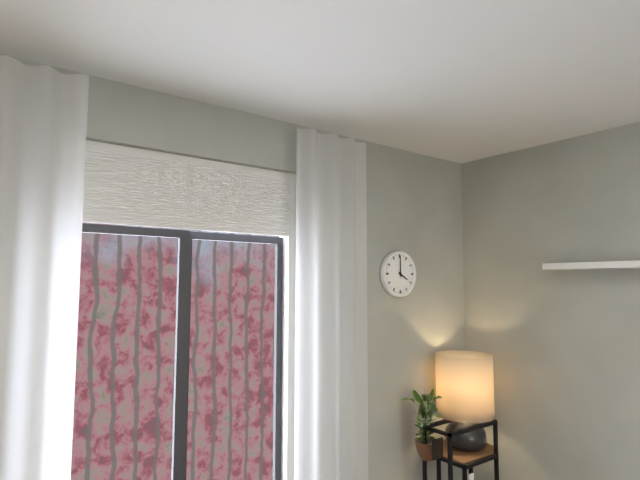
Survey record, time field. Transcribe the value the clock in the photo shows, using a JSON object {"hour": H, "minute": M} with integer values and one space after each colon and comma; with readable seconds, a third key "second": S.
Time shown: {"hour": 4, "minute": 0}
